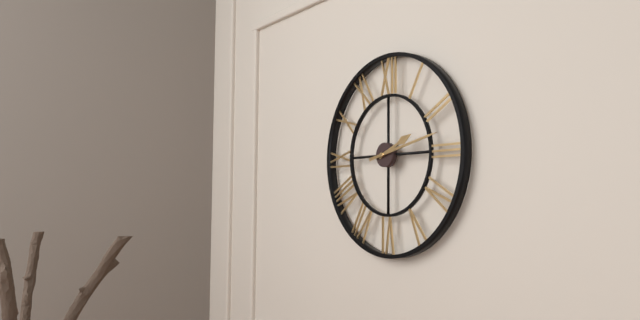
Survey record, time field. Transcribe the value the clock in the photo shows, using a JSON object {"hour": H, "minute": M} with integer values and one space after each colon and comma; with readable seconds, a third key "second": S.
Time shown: {"hour": 2, "minute": 13}
